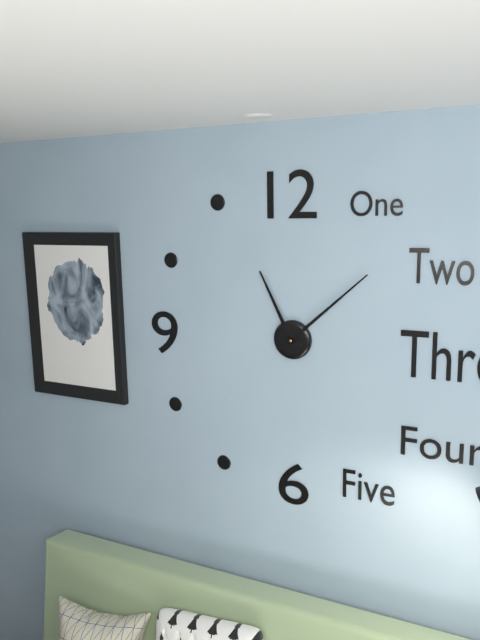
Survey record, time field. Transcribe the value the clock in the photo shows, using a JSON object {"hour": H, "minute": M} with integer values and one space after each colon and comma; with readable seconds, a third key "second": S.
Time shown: {"hour": 11, "minute": 8}
